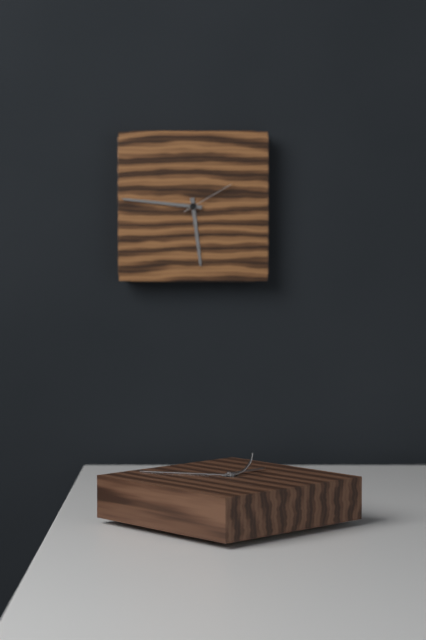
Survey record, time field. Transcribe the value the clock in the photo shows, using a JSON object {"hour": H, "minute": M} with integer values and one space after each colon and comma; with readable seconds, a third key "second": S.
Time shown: {"hour": 5, "minute": 46, "second": 10}
